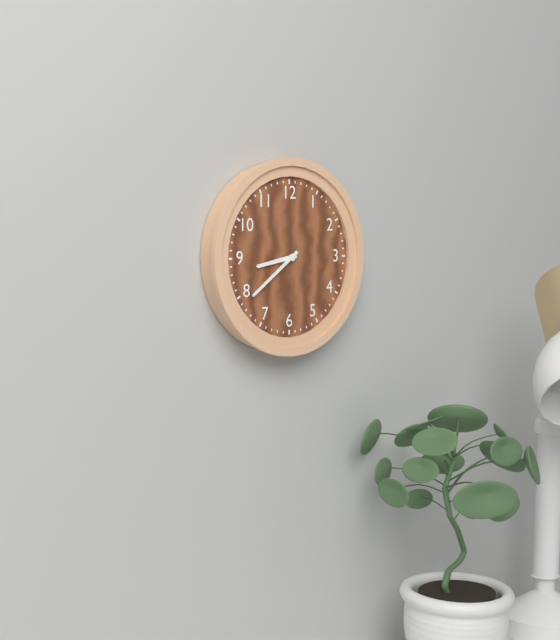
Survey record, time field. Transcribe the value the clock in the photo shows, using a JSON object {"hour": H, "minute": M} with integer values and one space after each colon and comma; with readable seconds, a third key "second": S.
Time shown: {"hour": 8, "minute": 39}
